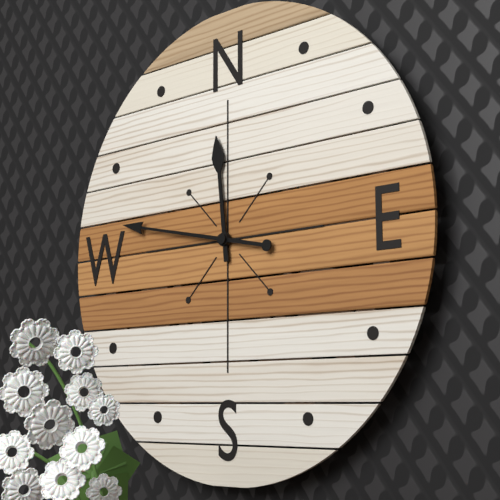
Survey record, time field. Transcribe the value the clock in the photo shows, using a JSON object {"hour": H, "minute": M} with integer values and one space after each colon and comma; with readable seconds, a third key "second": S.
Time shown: {"hour": 11, "minute": 47}
